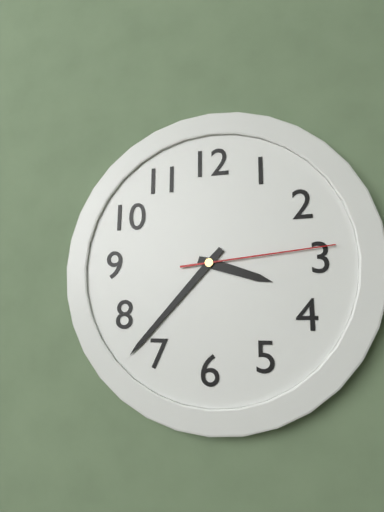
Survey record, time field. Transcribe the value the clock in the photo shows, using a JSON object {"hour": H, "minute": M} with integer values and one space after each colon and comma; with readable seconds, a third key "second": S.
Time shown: {"hour": 3, "minute": 37, "second": 14}
